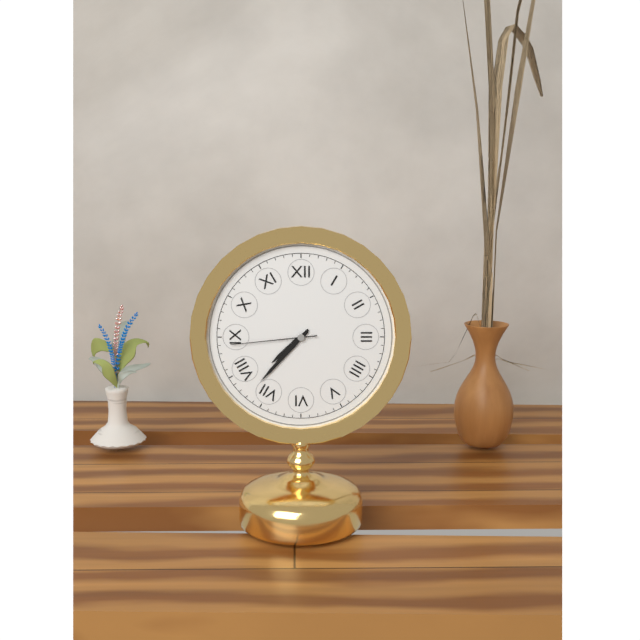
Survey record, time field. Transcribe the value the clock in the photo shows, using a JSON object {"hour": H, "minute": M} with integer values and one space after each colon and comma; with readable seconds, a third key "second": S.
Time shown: {"hour": 7, "minute": 37, "second": 44}
